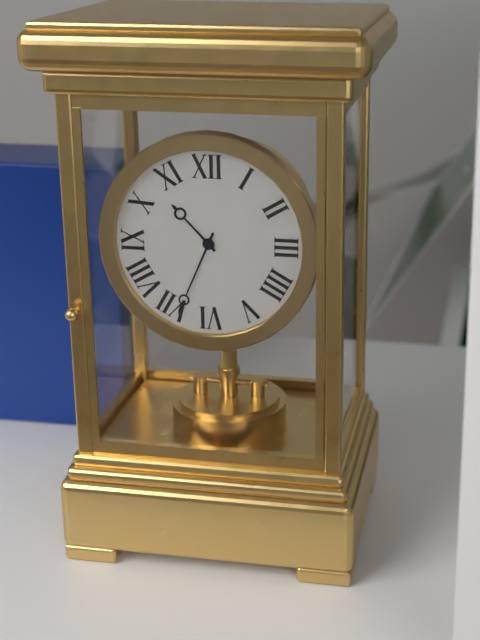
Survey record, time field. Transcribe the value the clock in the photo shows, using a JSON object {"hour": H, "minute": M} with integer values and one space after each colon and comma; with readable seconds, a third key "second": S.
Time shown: {"hour": 10, "minute": 34}
